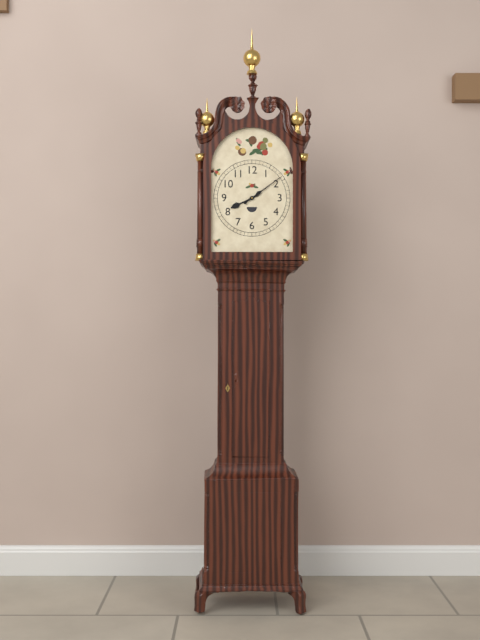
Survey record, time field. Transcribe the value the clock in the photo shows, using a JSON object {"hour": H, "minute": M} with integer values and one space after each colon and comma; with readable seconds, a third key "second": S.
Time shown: {"hour": 8, "minute": 9}
